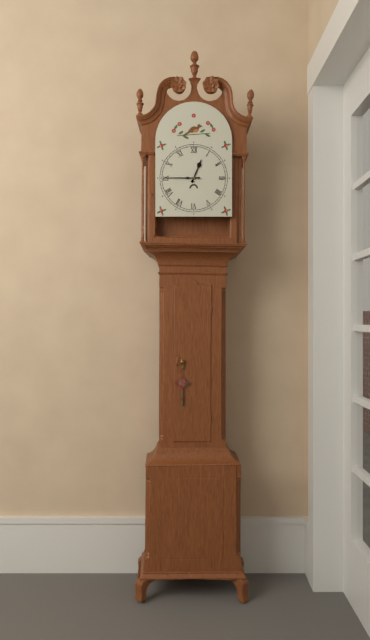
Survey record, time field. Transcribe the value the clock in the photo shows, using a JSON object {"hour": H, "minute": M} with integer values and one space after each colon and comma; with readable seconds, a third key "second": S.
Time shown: {"hour": 12, "minute": 45}
